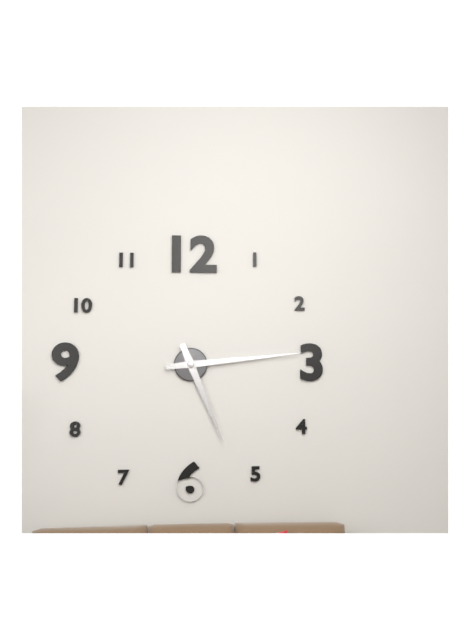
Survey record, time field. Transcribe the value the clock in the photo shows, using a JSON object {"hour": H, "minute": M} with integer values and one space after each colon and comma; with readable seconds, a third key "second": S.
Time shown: {"hour": 5, "minute": 14}
